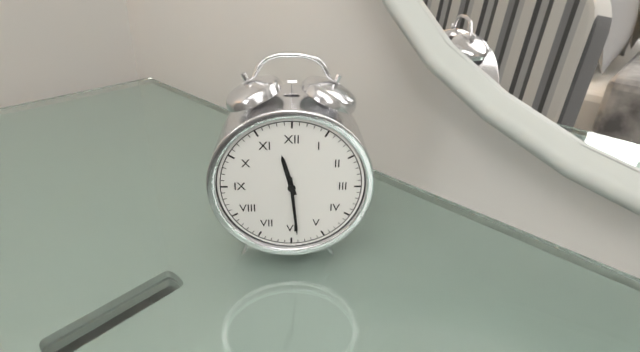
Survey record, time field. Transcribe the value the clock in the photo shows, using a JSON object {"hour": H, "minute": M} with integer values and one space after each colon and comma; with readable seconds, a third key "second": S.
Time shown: {"hour": 11, "minute": 29}
